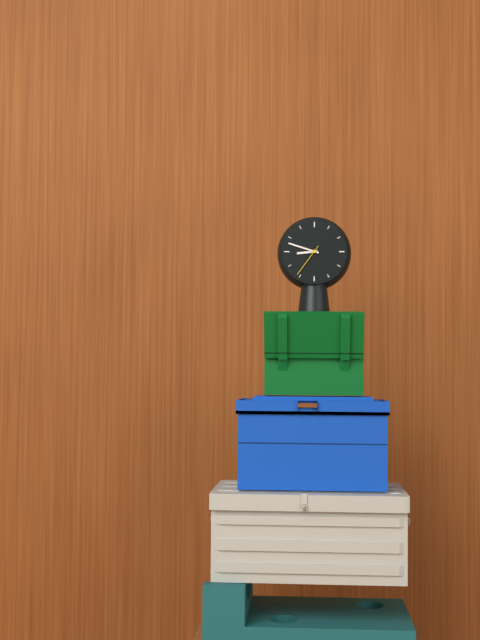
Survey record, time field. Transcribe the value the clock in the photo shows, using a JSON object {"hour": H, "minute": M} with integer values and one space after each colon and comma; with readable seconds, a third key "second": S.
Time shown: {"hour": 8, "minute": 48}
